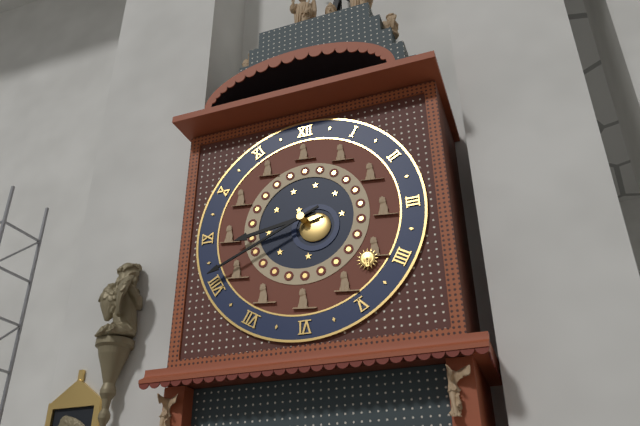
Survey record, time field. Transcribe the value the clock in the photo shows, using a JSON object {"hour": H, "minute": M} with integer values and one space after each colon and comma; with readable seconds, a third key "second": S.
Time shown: {"hour": 8, "minute": 41}
